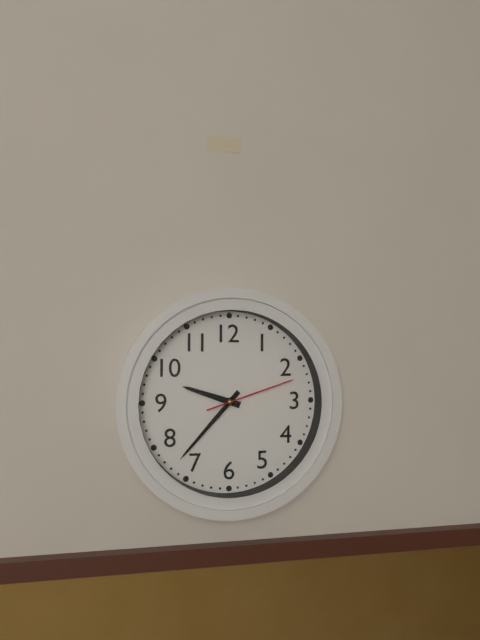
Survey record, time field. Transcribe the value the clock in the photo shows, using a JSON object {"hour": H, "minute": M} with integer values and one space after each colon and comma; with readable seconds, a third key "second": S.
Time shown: {"hour": 9, "minute": 37, "second": 12}
